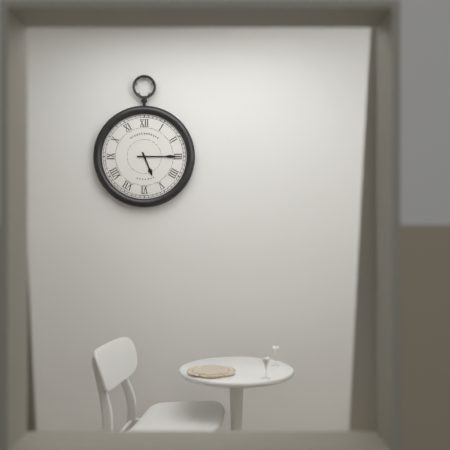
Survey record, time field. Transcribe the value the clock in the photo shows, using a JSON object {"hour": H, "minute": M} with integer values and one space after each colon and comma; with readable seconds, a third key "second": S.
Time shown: {"hour": 5, "minute": 15}
